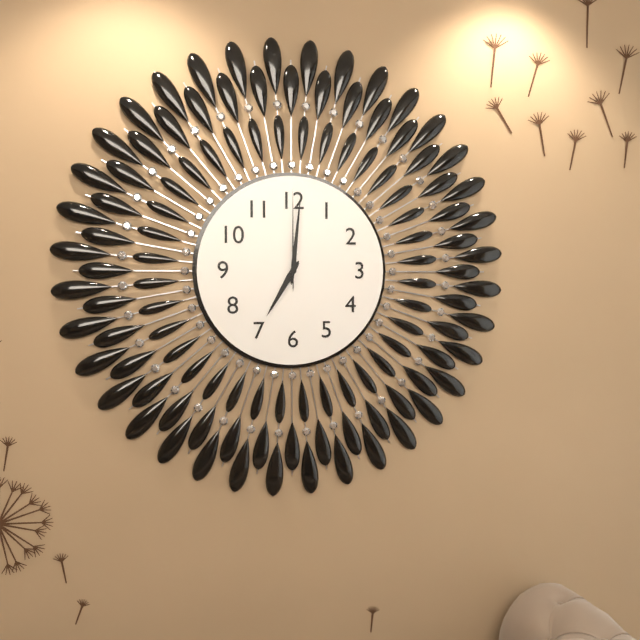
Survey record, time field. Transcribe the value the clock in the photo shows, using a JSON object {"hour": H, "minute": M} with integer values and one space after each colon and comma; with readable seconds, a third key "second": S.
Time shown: {"hour": 7, "minute": 1, "second": 0}
